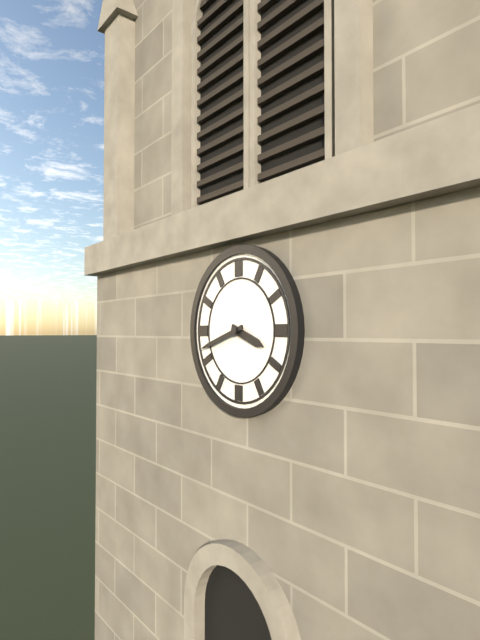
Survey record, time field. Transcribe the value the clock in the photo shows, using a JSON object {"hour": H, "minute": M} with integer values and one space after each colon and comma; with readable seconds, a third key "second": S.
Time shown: {"hour": 3, "minute": 42}
